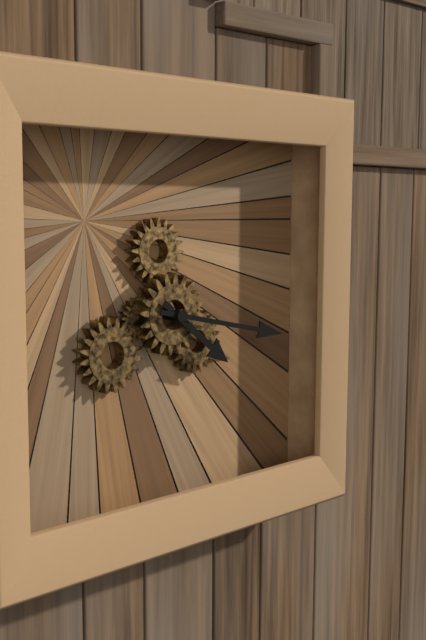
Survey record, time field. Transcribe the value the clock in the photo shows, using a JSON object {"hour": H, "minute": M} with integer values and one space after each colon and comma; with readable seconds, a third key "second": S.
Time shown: {"hour": 4, "minute": 17}
